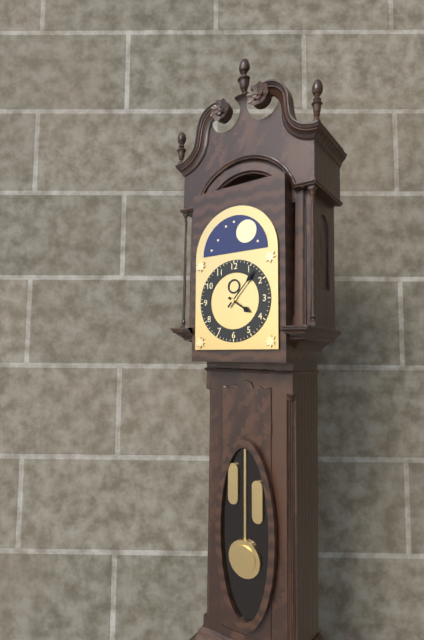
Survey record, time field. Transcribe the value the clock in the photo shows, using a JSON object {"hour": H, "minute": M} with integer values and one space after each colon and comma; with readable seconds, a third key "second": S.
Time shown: {"hour": 4, "minute": 7}
